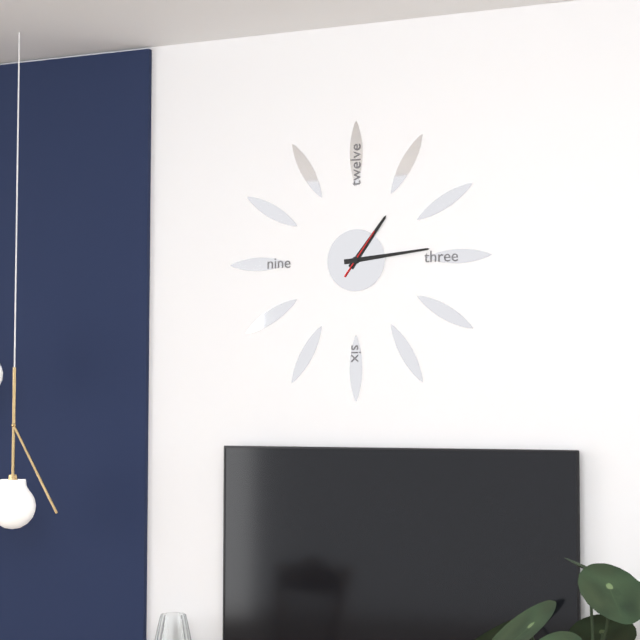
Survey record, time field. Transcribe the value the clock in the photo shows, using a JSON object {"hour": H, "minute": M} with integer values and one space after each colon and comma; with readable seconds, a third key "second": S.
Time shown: {"hour": 1, "minute": 14}
